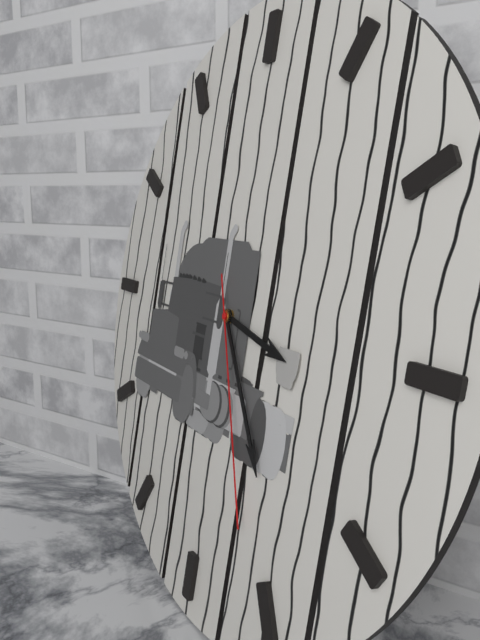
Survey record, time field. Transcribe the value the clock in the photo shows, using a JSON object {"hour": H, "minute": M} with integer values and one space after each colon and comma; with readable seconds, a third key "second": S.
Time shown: {"hour": 3, "minute": 24, "second": 26}
